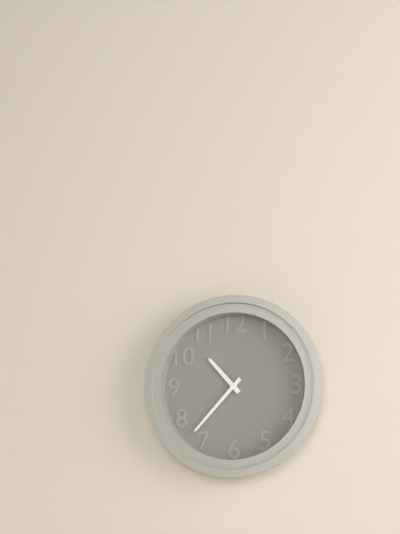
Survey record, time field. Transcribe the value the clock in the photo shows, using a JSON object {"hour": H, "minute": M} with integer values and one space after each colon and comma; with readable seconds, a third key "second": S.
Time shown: {"hour": 10, "minute": 37}
